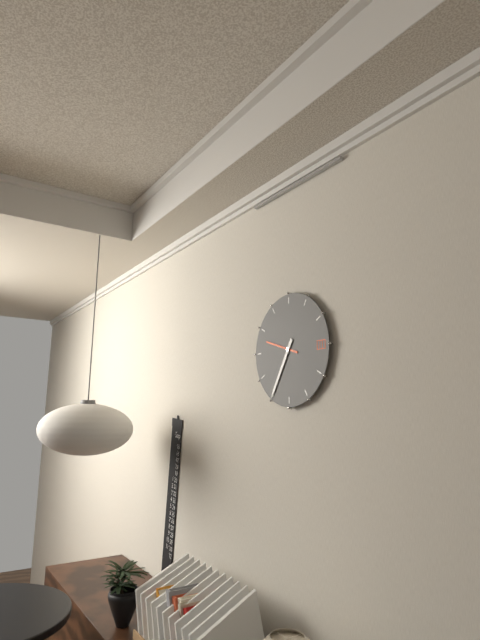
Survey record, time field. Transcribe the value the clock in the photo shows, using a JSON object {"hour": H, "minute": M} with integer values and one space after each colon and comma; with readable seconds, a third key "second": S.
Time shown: {"hour": 9, "minute": 35}
